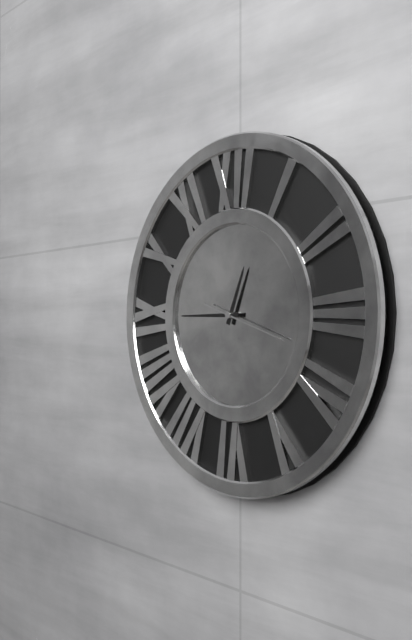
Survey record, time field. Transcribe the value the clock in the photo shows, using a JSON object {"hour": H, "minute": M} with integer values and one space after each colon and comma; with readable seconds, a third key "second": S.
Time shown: {"hour": 12, "minute": 45, "second": 18}
